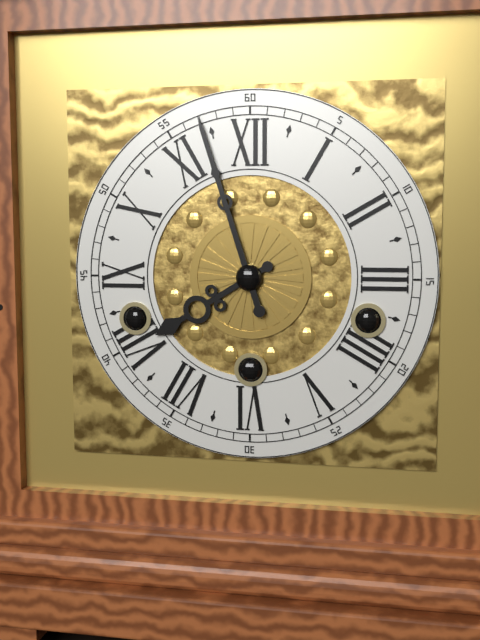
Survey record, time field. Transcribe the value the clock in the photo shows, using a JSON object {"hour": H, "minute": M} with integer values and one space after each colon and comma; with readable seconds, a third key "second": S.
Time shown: {"hour": 7, "minute": 57}
